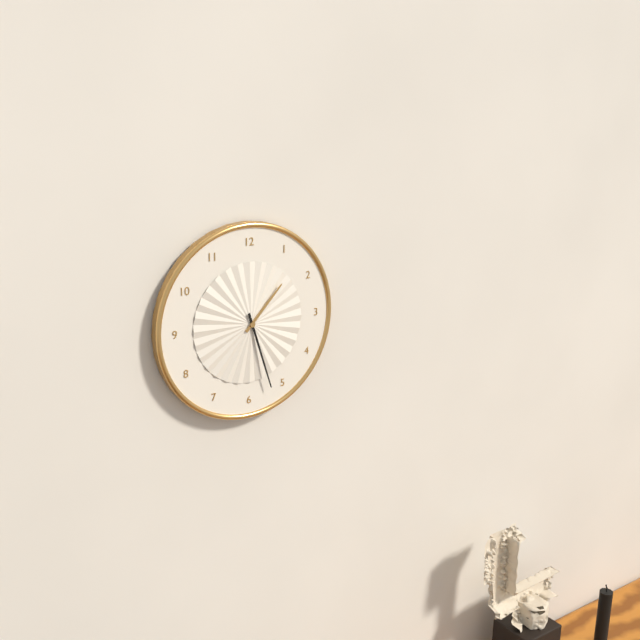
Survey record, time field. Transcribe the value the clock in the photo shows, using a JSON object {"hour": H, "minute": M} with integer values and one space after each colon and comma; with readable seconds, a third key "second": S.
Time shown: {"hour": 1, "minute": 27}
